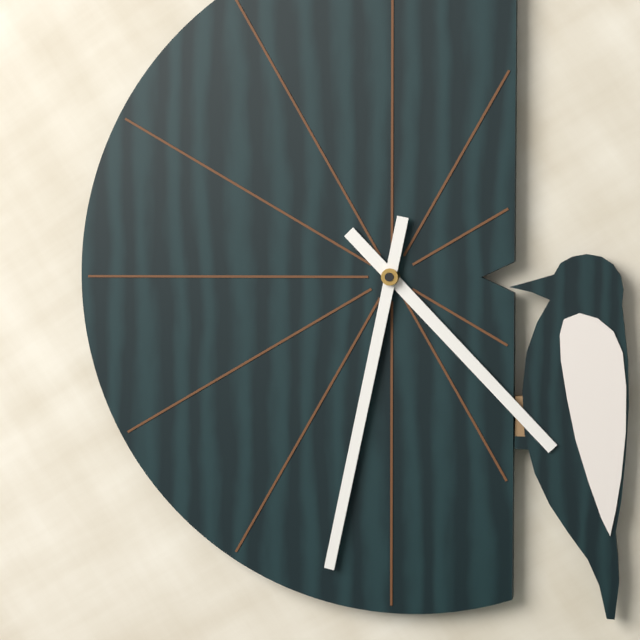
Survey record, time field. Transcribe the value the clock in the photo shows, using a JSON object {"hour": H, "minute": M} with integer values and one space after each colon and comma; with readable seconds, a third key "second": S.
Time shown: {"hour": 4, "minute": 32}
